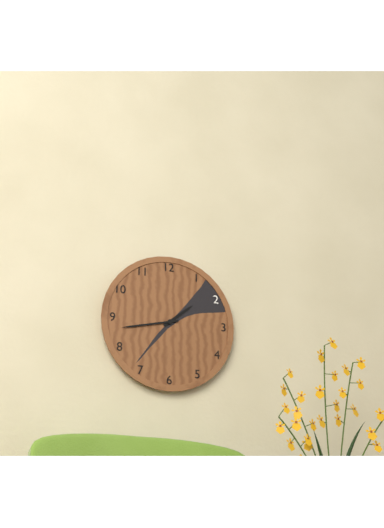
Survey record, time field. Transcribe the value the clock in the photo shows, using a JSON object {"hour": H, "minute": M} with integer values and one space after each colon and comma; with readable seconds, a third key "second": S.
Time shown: {"hour": 1, "minute": 43}
